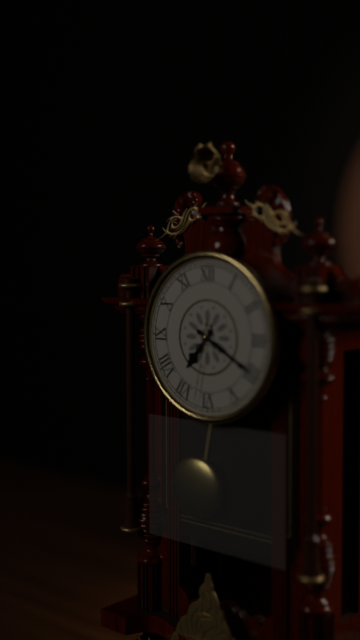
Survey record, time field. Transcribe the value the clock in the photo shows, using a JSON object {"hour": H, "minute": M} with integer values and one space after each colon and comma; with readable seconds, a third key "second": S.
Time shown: {"hour": 7, "minute": 20, "second": 32}
